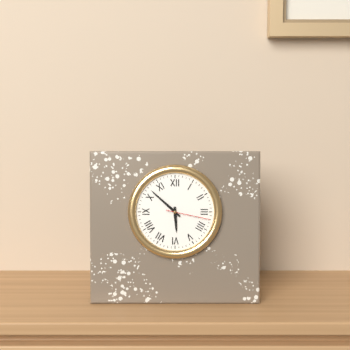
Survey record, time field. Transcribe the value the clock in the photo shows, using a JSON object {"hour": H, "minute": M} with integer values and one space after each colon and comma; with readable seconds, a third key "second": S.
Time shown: {"hour": 5, "minute": 52}
